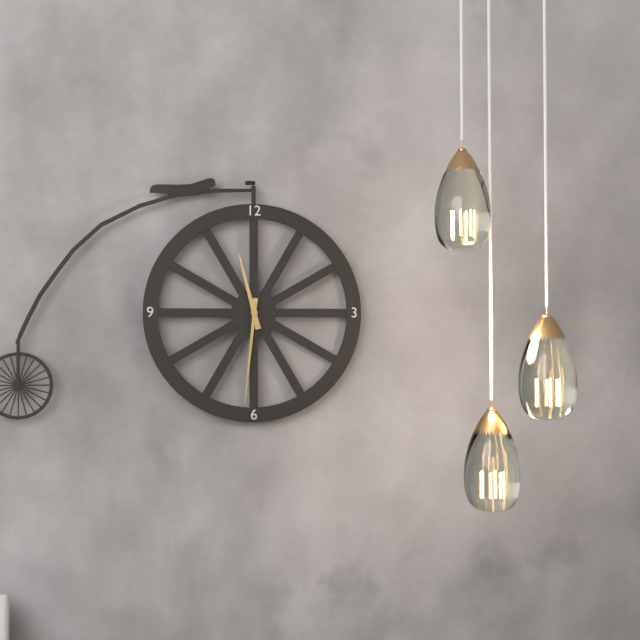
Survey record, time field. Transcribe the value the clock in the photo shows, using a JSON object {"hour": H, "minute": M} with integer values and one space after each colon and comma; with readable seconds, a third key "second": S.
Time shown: {"hour": 11, "minute": 31}
